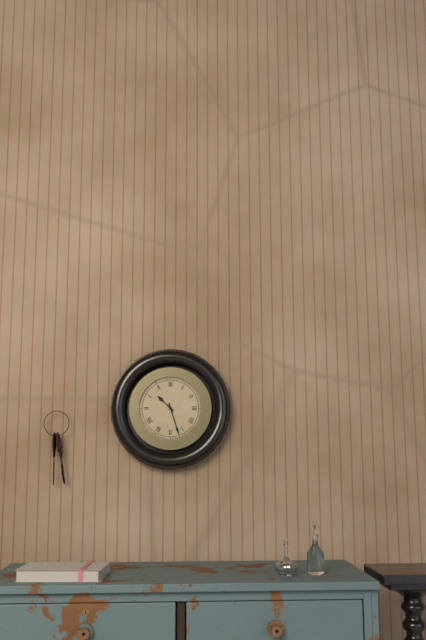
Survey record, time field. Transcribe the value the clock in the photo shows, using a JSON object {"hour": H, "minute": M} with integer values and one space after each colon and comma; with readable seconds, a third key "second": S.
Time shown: {"hour": 10, "minute": 27}
